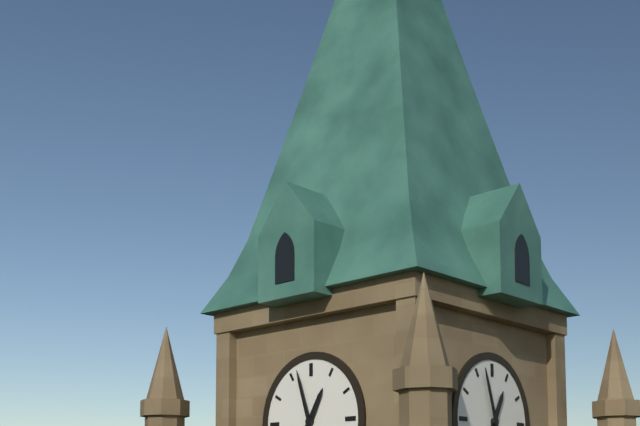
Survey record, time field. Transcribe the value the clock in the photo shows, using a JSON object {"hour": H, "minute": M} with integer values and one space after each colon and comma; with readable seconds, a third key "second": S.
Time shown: {"hour": 12, "minute": 57}
